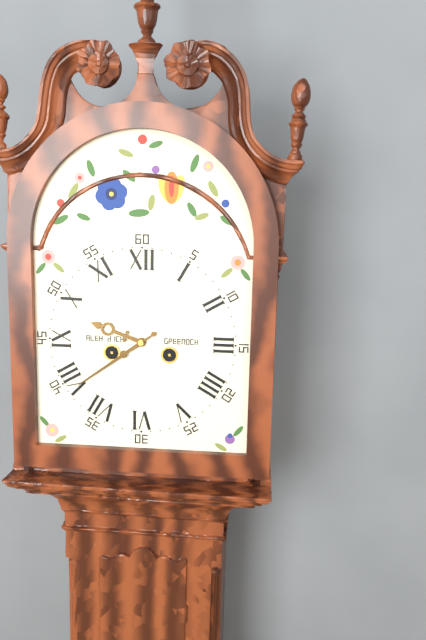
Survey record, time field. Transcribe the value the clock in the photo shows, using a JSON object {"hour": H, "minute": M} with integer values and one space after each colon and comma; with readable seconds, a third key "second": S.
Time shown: {"hour": 9, "minute": 39}
